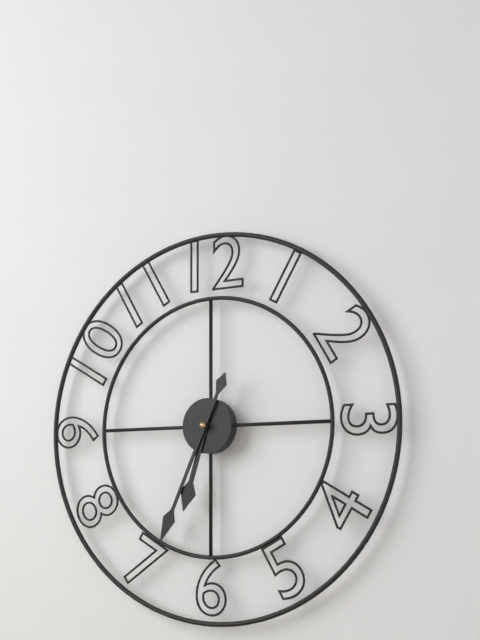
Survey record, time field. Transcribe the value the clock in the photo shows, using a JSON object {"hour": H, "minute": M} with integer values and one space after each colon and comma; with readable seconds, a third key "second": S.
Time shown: {"hour": 6, "minute": 34}
